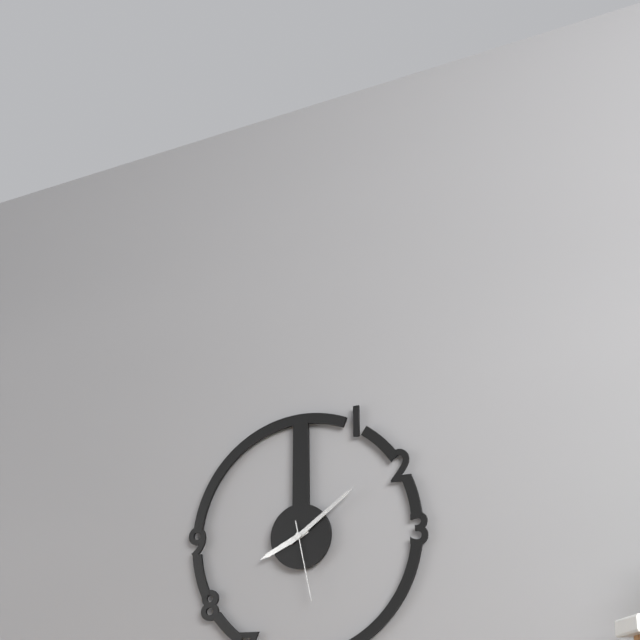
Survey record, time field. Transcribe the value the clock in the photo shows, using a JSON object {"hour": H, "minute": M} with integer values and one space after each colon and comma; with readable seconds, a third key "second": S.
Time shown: {"hour": 8, "minute": 9, "second": 28}
